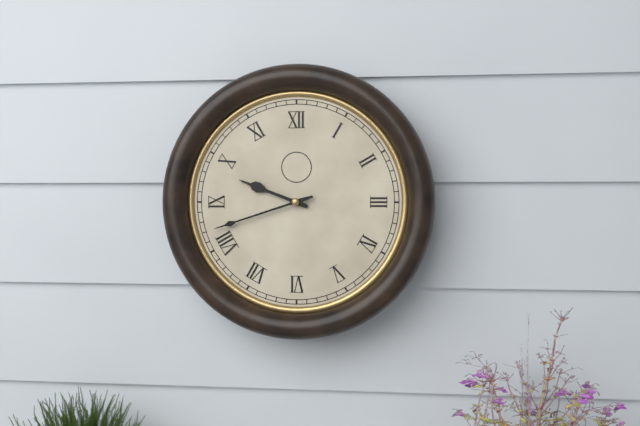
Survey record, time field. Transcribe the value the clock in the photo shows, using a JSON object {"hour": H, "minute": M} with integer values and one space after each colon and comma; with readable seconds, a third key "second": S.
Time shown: {"hour": 9, "minute": 42}
